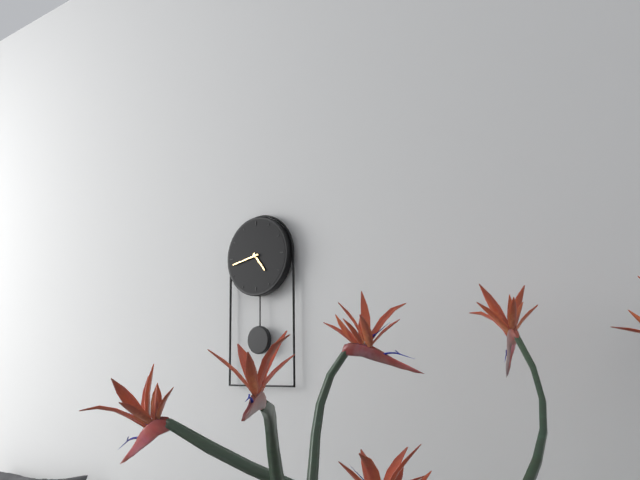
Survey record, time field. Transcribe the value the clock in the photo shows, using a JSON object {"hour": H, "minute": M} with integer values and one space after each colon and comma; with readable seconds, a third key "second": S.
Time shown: {"hour": 4, "minute": 43}
